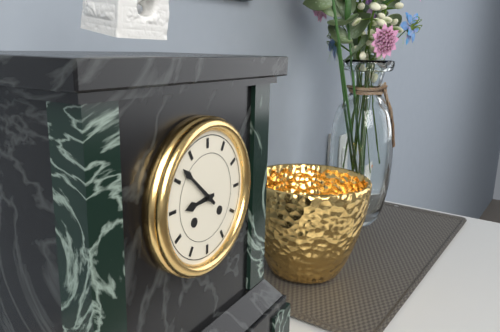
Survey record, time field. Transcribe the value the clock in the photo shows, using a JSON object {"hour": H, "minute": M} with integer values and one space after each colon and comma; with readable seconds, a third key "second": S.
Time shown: {"hour": 8, "minute": 52}
